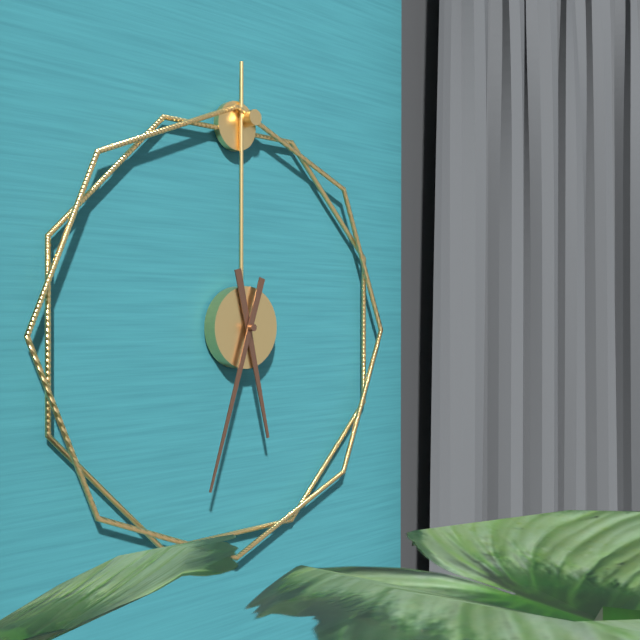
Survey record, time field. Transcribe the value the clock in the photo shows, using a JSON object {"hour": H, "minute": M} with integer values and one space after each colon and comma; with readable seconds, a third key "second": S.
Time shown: {"hour": 5, "minute": 33}
